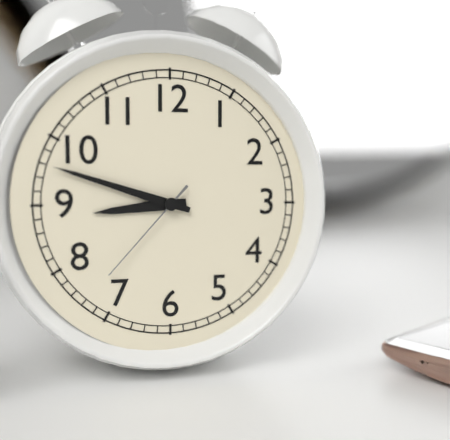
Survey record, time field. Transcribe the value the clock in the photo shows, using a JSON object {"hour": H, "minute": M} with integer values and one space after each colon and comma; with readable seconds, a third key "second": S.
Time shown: {"hour": 8, "minute": 48, "second": 37}
